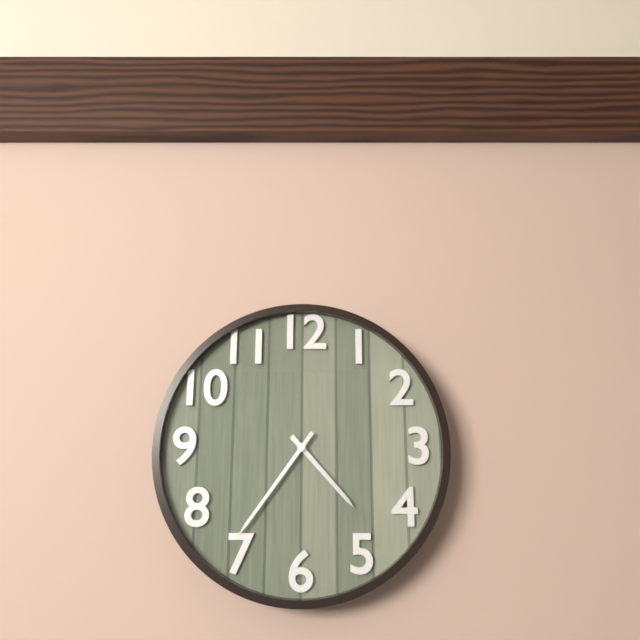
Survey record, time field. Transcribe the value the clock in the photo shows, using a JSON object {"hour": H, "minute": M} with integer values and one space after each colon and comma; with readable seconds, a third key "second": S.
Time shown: {"hour": 4, "minute": 36}
